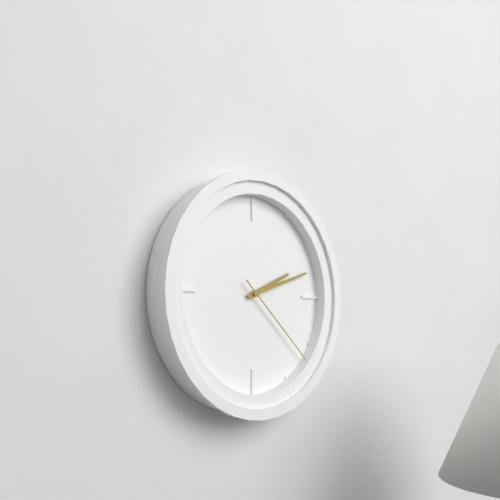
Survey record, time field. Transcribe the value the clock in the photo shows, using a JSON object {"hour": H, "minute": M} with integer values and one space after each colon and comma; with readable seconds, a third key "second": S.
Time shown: {"hour": 2, "minute": 12, "second": 22}
